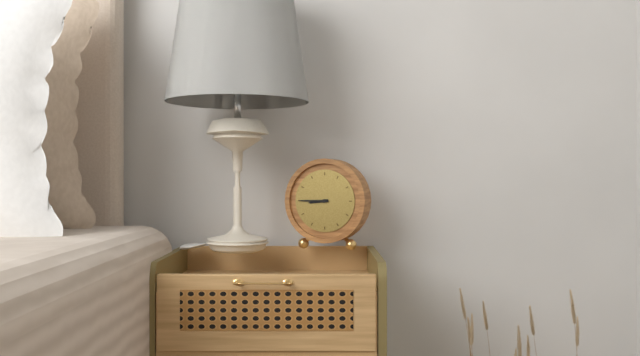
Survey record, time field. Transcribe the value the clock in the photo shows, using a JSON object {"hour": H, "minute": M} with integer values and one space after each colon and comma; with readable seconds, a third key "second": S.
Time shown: {"hour": 8, "minute": 45}
